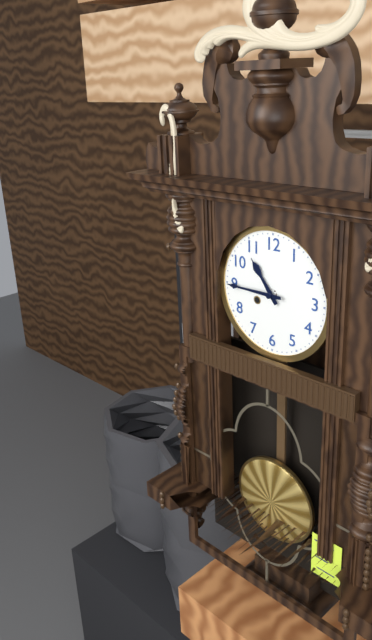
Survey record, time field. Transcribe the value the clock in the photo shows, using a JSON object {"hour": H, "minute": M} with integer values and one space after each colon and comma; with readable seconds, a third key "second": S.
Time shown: {"hour": 10, "minute": 45}
